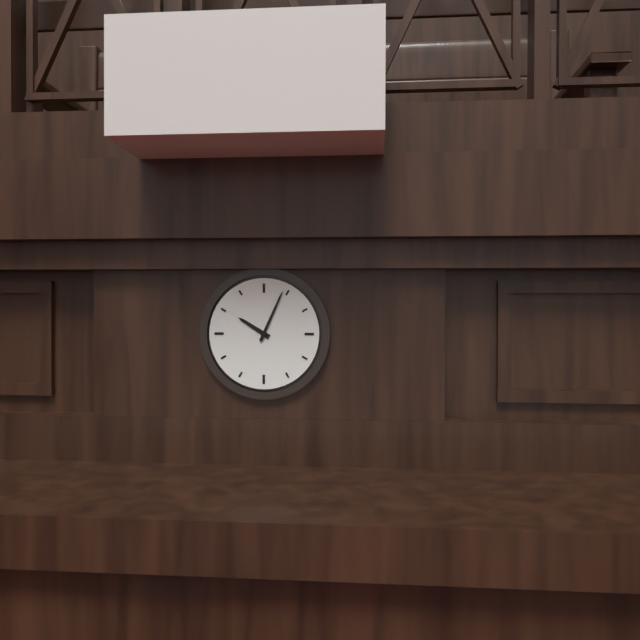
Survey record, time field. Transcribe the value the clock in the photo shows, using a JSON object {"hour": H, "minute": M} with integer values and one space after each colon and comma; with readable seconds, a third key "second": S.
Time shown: {"hour": 10, "minute": 4}
